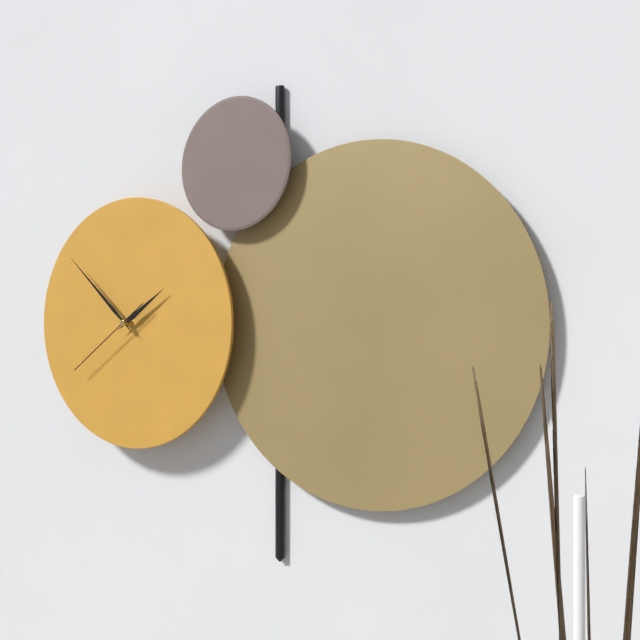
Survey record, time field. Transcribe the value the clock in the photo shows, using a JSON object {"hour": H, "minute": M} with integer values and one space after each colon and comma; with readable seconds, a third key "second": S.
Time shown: {"hour": 1, "minute": 52, "second": 39}
